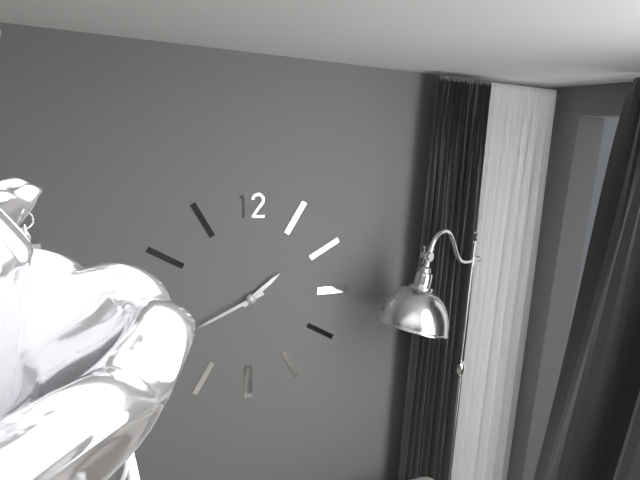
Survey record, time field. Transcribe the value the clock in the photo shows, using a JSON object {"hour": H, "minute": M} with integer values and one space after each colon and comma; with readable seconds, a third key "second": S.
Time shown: {"hour": 1, "minute": 41}
